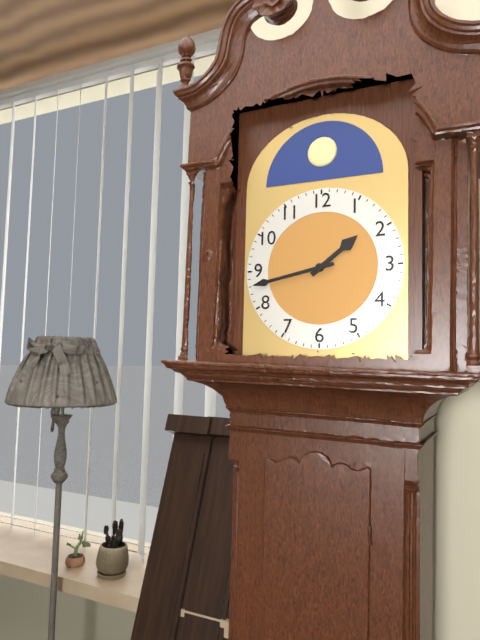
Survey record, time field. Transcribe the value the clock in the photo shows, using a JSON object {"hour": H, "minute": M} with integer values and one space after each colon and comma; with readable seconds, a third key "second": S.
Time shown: {"hour": 1, "minute": 43}
